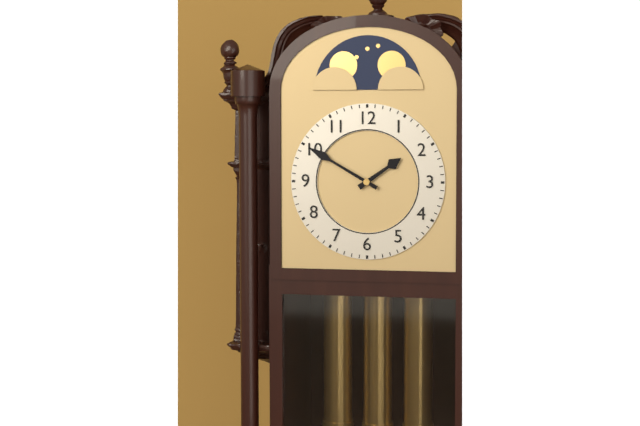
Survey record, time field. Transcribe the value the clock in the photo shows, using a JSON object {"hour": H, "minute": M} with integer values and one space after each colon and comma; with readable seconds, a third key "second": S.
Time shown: {"hour": 1, "minute": 50}
